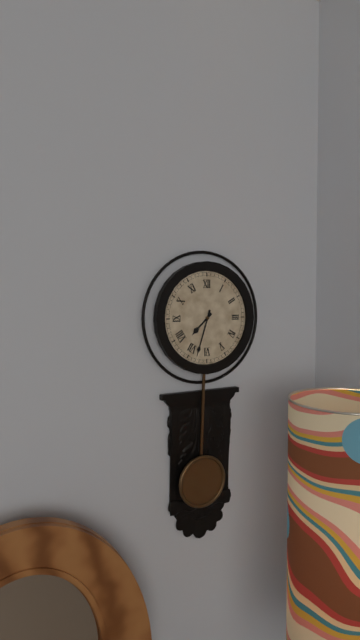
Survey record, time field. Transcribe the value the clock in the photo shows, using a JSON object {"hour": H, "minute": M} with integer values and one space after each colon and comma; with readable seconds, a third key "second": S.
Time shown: {"hour": 7, "minute": 33}
